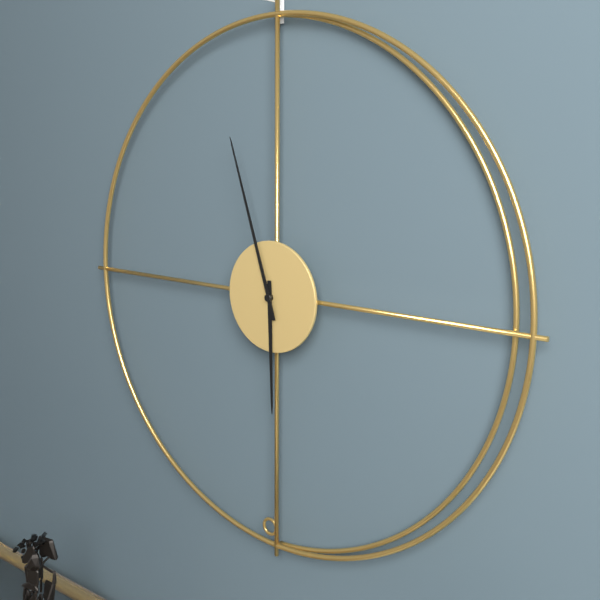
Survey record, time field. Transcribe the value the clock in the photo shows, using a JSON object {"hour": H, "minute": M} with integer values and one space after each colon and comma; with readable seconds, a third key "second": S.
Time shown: {"hour": 5, "minute": 57}
